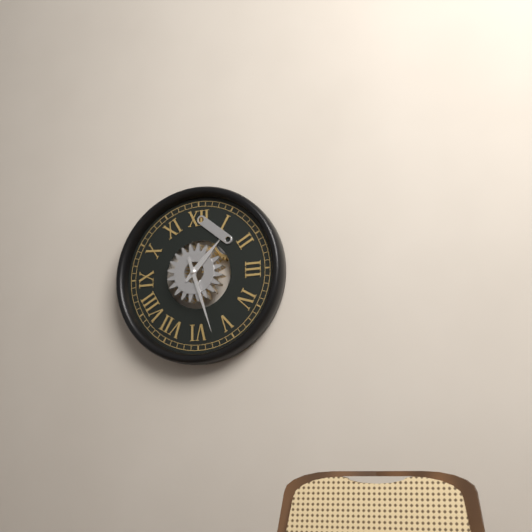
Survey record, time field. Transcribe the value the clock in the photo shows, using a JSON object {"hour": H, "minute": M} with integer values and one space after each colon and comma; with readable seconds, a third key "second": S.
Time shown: {"hour": 1, "minute": 27}
